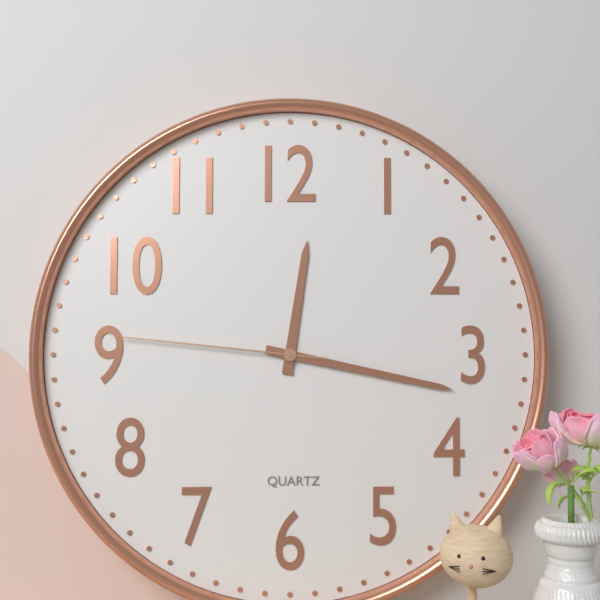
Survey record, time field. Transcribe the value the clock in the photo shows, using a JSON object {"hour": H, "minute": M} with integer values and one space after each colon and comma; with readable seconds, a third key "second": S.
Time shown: {"hour": 12, "minute": 17, "second": 46}
